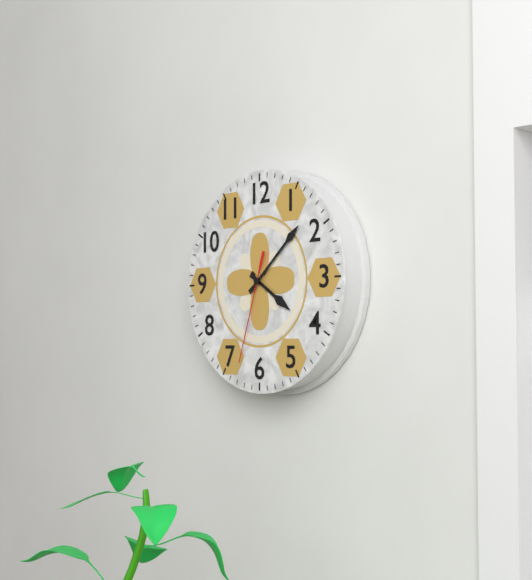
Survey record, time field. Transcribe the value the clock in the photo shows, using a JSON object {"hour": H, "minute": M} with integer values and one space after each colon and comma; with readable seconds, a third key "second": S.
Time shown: {"hour": 4, "minute": 8, "second": 33}
